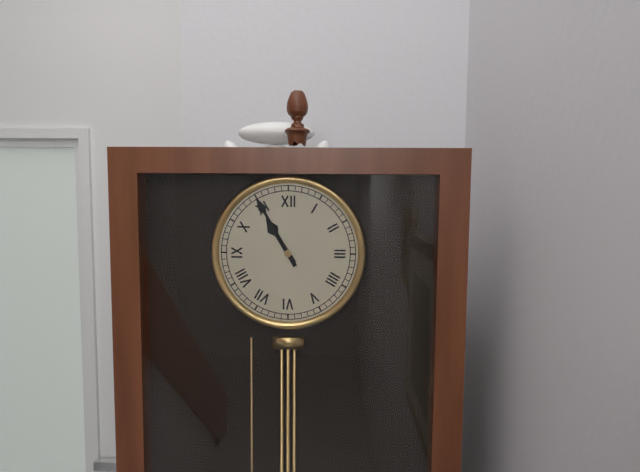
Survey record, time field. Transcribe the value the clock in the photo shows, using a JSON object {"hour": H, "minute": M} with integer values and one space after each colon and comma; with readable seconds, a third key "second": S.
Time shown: {"hour": 10, "minute": 55}
